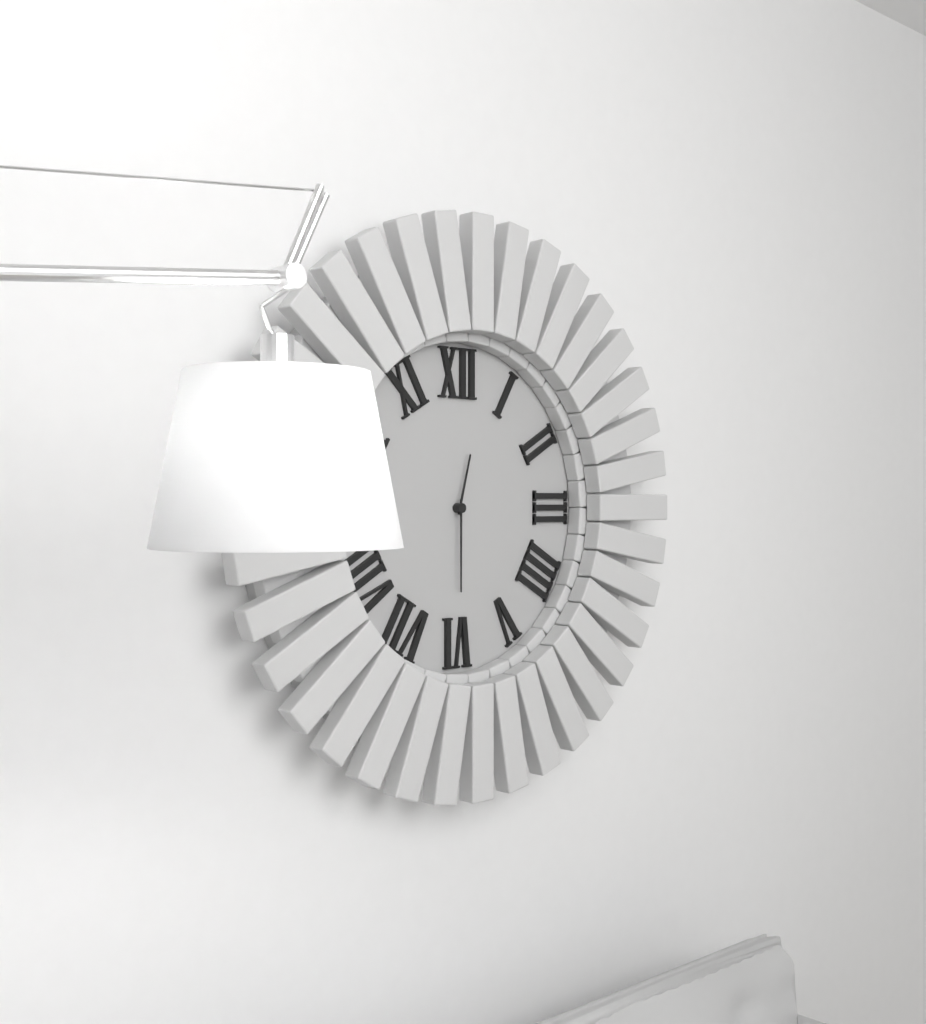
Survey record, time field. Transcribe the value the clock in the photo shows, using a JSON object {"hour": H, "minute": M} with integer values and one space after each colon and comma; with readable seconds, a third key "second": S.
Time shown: {"hour": 12, "minute": 30}
